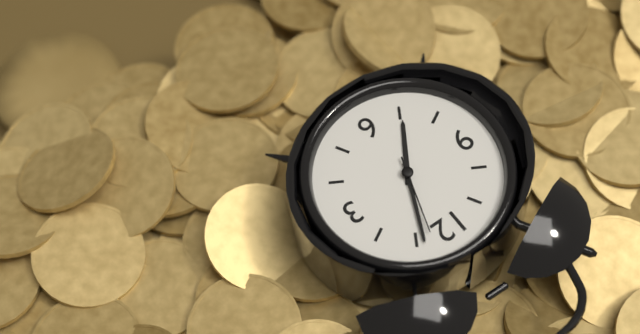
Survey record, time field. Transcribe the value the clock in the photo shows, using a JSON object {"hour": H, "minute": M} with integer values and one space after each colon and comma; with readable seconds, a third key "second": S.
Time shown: {"hour": 7, "minute": 4, "second": 3}
